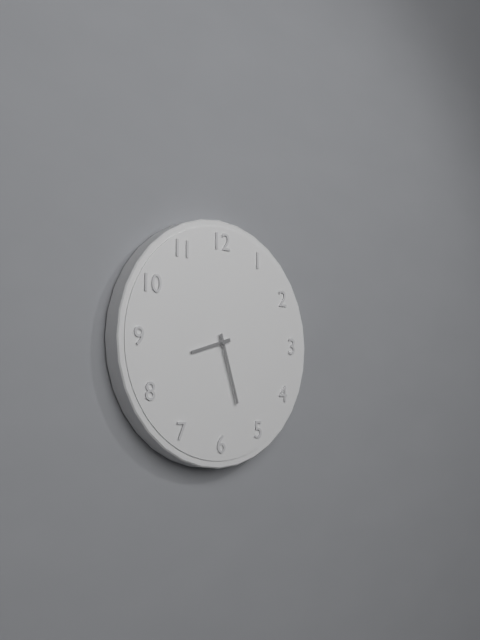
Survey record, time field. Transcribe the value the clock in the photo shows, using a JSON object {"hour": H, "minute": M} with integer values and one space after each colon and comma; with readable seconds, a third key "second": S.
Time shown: {"hour": 8, "minute": 27}
